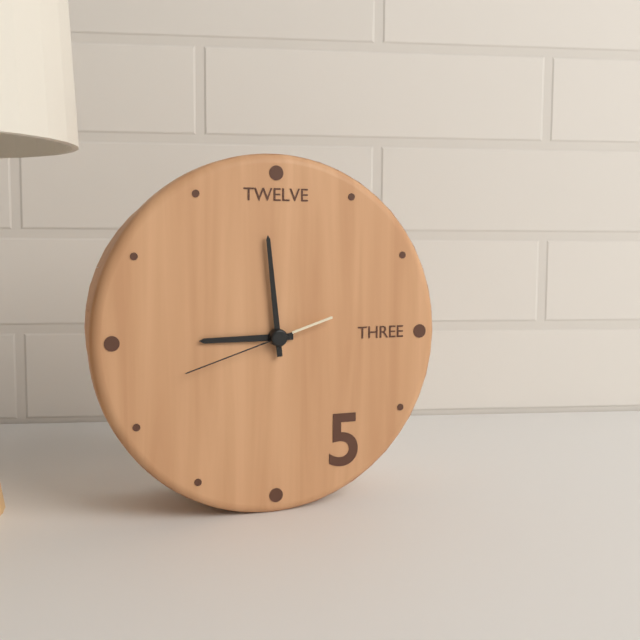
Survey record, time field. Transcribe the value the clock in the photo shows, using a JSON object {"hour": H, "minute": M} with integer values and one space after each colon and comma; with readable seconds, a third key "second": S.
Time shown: {"hour": 8, "minute": 59, "second": 42}
